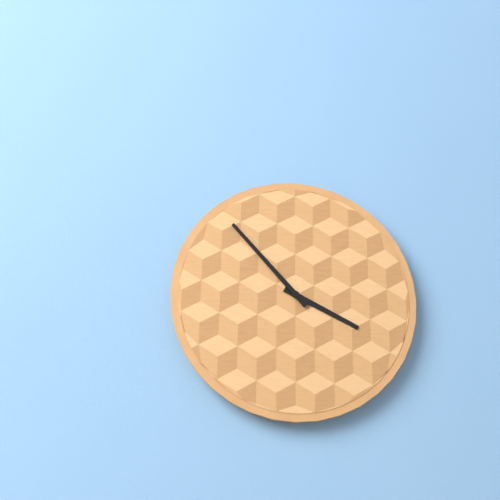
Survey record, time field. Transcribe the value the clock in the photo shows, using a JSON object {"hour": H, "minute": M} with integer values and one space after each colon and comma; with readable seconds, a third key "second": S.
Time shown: {"hour": 3, "minute": 53}
